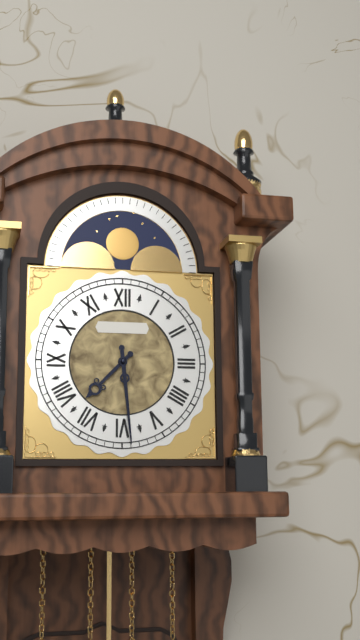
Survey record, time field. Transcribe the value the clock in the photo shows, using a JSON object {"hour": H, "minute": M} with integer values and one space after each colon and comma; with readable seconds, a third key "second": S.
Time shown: {"hour": 7, "minute": 29}
